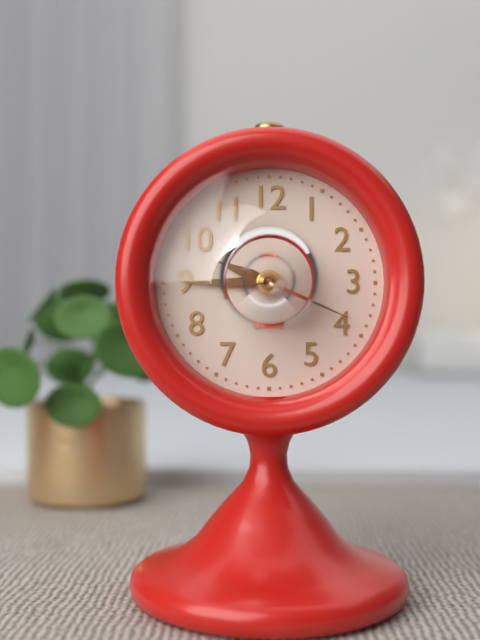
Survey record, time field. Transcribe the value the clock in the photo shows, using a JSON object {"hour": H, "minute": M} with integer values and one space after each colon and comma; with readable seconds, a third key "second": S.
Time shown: {"hour": 9, "minute": 45, "second": 19}
